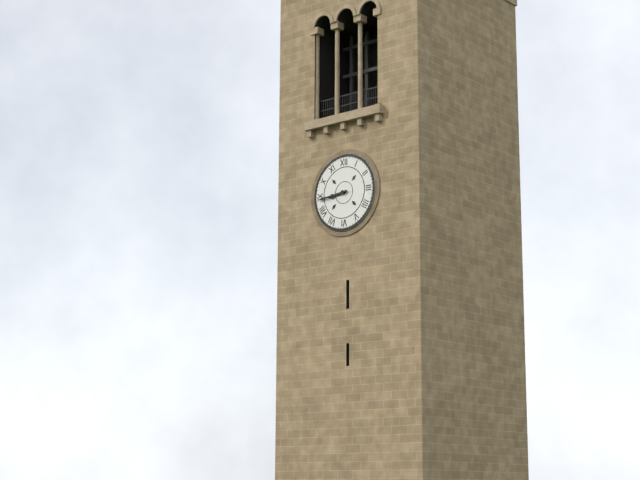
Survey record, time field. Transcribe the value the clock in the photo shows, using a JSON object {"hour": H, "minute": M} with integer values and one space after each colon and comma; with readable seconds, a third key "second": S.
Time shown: {"hour": 8, "minute": 44}
